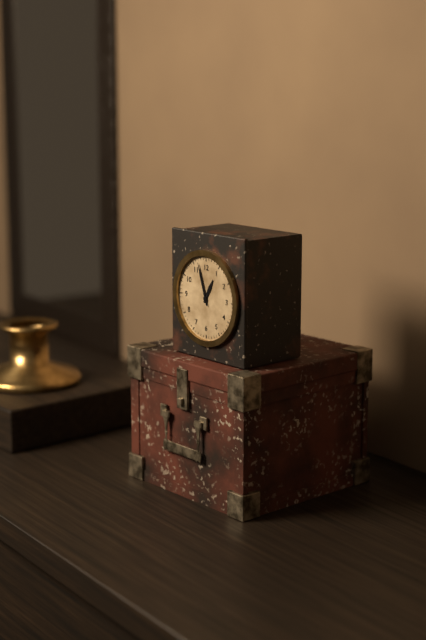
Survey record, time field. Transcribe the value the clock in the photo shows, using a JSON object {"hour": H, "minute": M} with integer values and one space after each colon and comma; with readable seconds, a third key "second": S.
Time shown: {"hour": 12, "minute": 57}
